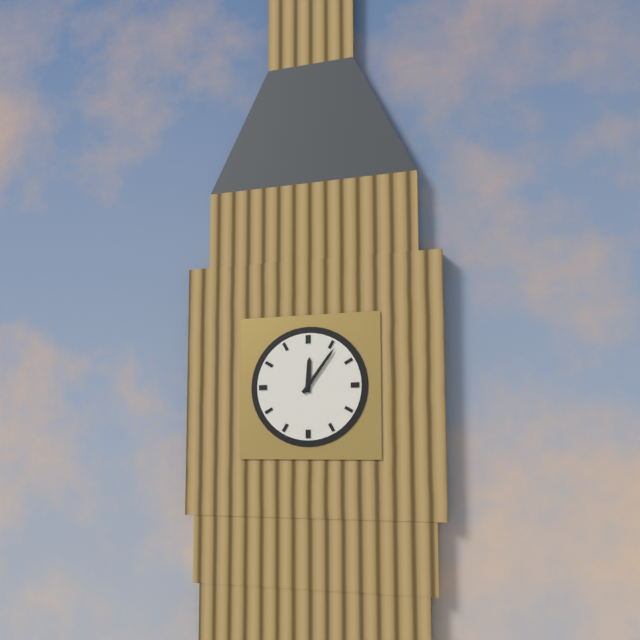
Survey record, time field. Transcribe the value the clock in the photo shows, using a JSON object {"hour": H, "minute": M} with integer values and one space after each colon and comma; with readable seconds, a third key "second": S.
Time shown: {"hour": 12, "minute": 6}
